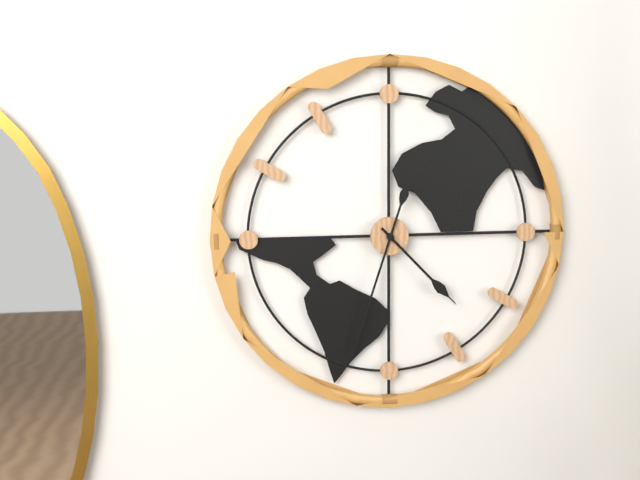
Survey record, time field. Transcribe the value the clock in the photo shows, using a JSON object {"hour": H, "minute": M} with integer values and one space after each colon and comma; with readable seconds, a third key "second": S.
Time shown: {"hour": 4, "minute": 33}
